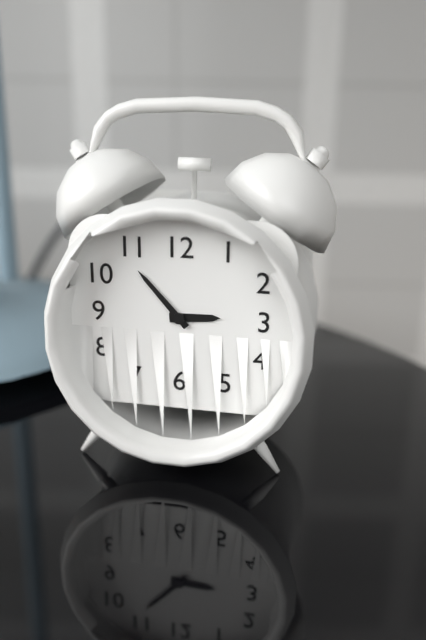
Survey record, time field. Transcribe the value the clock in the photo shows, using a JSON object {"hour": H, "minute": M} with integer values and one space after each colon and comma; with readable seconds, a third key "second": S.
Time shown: {"hour": 2, "minute": 53}
